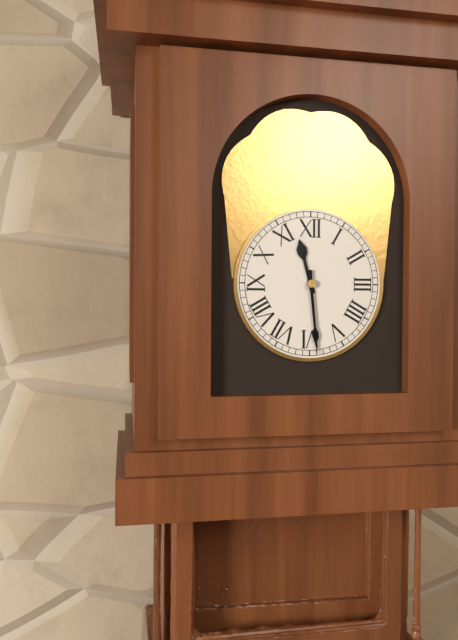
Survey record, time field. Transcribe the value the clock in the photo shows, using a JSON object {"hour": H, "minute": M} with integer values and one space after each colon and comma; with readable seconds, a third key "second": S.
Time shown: {"hour": 11, "minute": 29}
